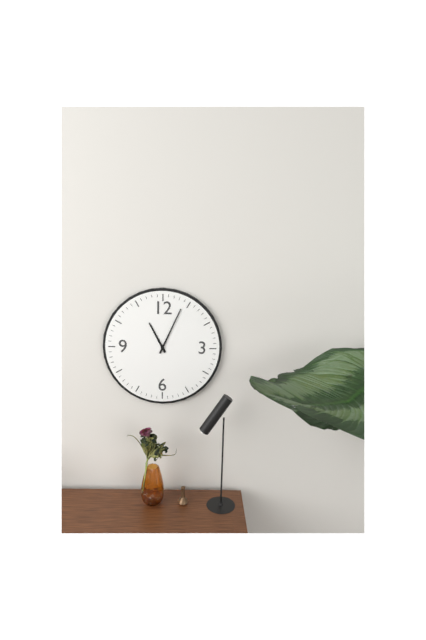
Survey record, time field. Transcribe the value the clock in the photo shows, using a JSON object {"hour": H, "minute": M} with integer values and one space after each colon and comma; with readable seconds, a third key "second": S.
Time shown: {"hour": 11, "minute": 4}
